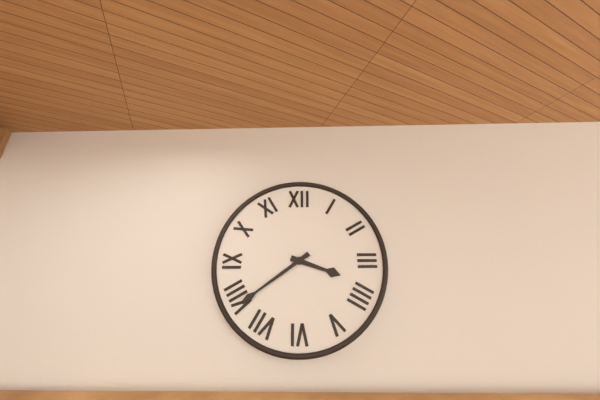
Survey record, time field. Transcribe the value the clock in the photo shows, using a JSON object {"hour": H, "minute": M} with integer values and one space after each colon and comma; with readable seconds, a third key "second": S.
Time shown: {"hour": 3, "minute": 39}
